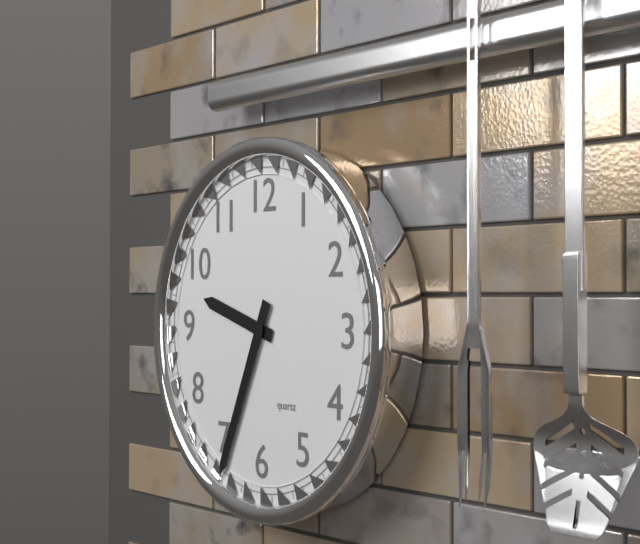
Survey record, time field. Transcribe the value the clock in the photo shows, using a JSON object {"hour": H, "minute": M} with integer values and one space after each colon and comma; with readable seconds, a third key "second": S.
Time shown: {"hour": 9, "minute": 34}
